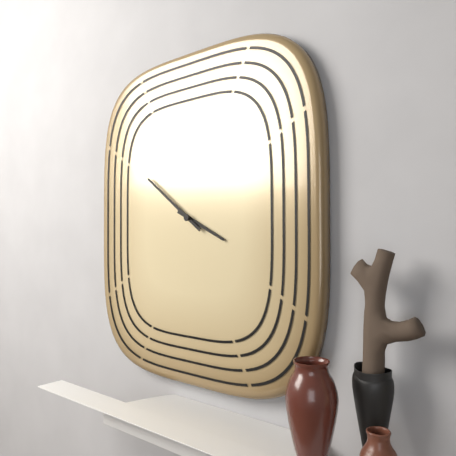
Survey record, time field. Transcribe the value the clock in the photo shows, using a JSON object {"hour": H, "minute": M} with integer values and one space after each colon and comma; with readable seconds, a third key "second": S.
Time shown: {"hour": 3, "minute": 51}
